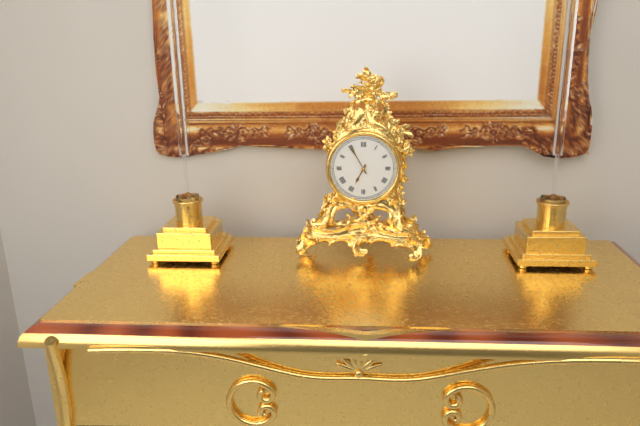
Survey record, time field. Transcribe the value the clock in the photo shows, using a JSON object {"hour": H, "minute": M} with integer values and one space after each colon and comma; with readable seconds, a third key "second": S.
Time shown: {"hour": 6, "minute": 55}
